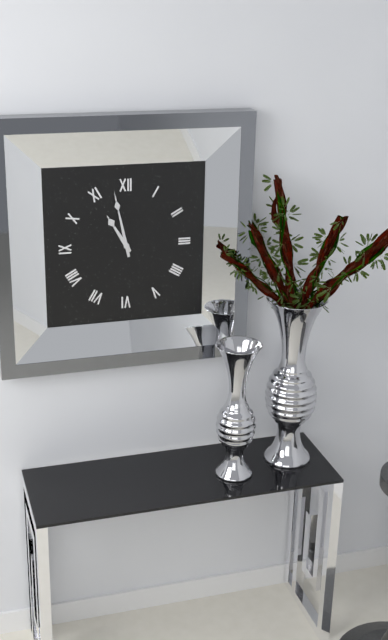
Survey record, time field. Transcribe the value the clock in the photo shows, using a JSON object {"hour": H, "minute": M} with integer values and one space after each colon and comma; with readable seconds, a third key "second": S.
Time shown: {"hour": 10, "minute": 58}
